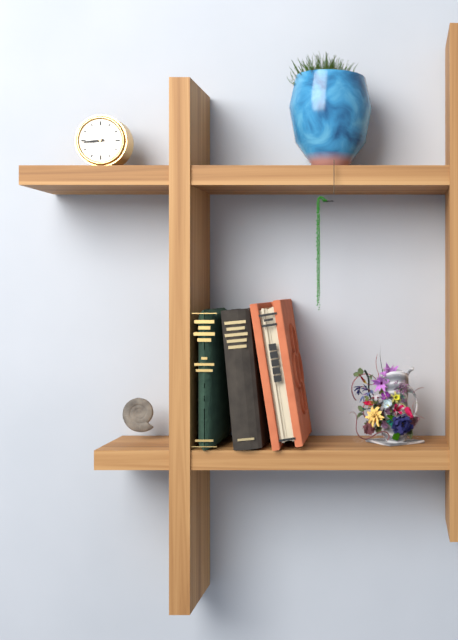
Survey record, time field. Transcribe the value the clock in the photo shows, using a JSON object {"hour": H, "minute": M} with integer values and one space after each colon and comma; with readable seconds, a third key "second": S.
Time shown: {"hour": 8, "minute": 44}
